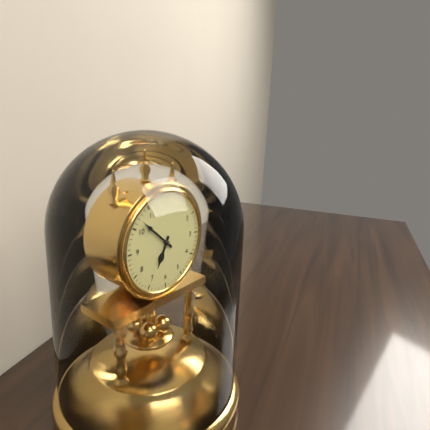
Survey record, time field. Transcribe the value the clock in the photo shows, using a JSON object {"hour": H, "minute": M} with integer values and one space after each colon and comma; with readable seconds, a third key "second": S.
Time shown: {"hour": 6, "minute": 52}
